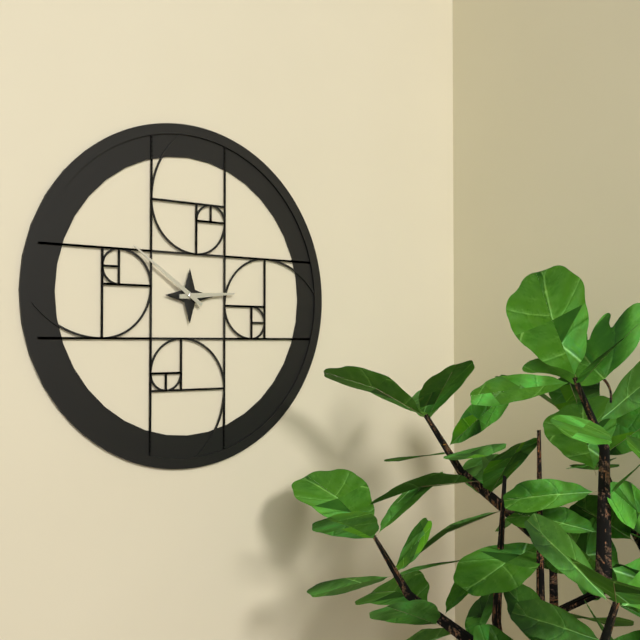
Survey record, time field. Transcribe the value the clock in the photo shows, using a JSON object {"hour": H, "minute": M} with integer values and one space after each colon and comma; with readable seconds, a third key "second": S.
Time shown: {"hour": 2, "minute": 51}
